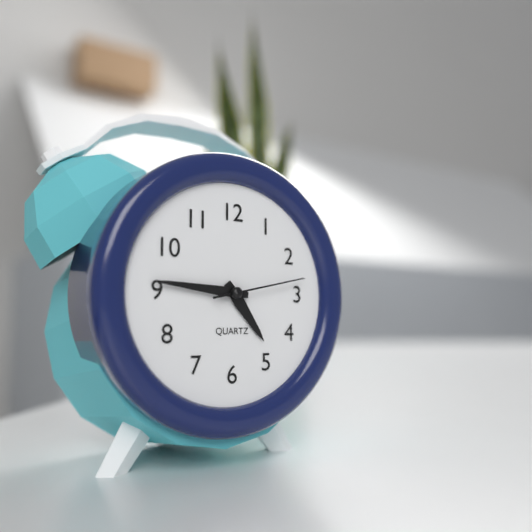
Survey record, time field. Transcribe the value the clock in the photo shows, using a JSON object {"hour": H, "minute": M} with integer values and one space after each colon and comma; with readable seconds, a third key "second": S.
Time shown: {"hour": 4, "minute": 46, "second": 13}
